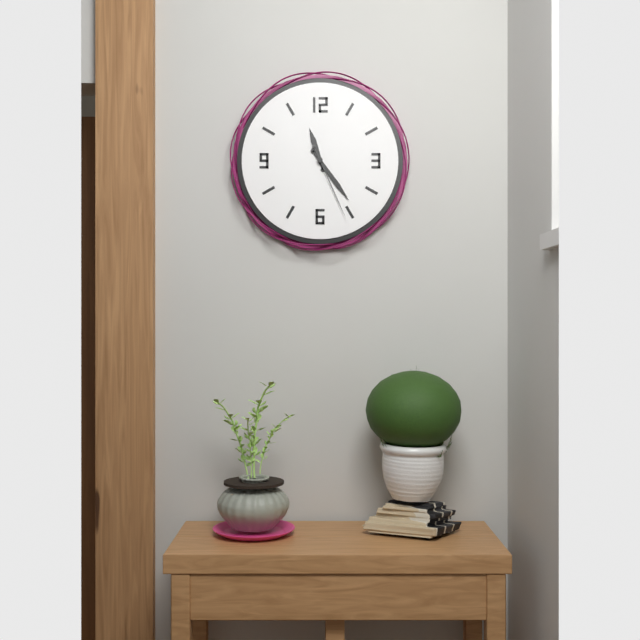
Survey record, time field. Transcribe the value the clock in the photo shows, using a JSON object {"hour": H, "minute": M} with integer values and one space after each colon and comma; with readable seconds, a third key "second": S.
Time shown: {"hour": 11, "minute": 24, "second": 26}
